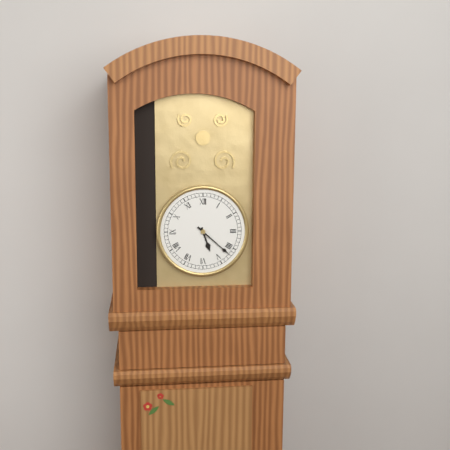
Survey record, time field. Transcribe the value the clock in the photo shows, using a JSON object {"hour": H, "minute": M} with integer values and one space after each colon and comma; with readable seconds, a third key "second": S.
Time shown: {"hour": 5, "minute": 22}
